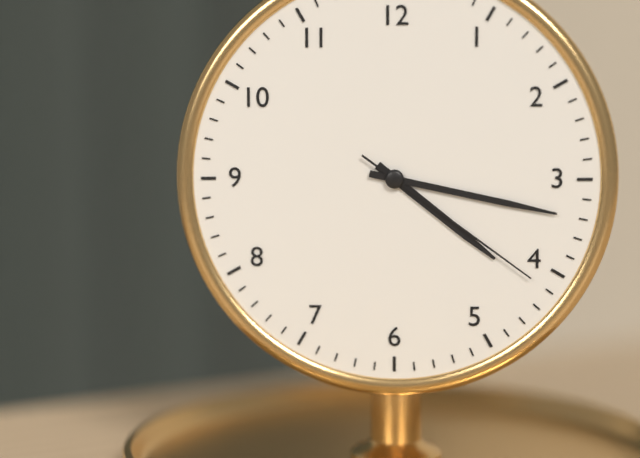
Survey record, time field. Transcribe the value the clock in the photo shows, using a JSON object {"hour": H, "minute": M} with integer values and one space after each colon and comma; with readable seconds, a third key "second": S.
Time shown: {"hour": 4, "minute": 17, "second": 21}
